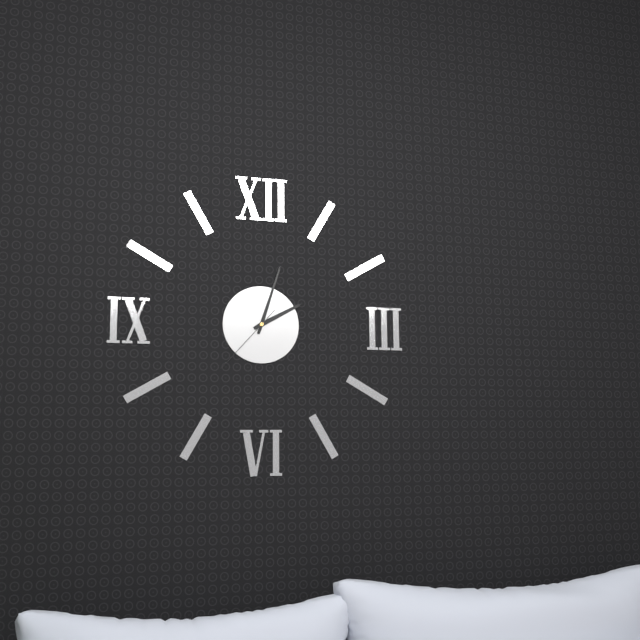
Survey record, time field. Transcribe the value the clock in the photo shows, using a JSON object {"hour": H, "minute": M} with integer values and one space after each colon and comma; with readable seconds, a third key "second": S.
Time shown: {"hour": 2, "minute": 3, "second": 37}
